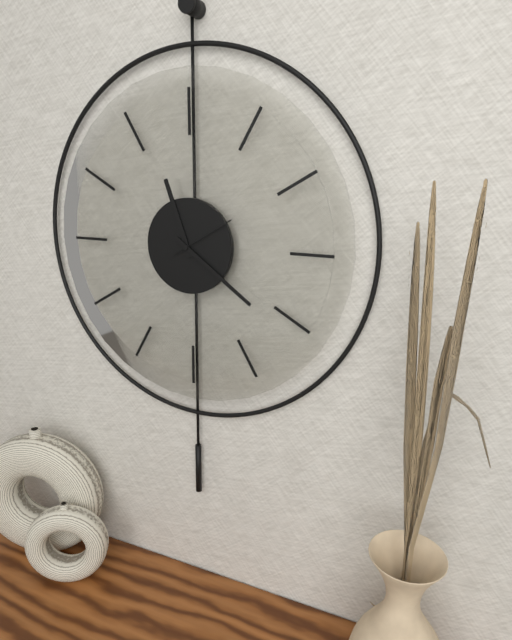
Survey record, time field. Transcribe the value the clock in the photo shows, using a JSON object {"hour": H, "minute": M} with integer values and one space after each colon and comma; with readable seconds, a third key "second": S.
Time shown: {"hour": 11, "minute": 21, "second": 10}
